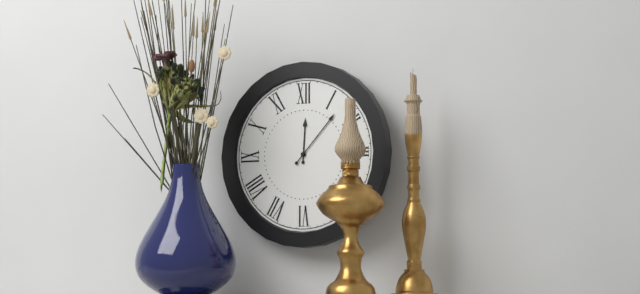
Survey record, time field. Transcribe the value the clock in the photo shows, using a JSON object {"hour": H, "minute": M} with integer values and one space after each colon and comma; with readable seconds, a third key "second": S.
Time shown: {"hour": 12, "minute": 7}
